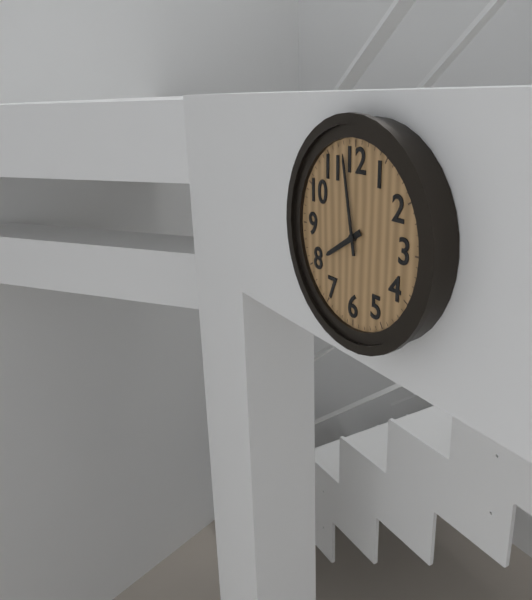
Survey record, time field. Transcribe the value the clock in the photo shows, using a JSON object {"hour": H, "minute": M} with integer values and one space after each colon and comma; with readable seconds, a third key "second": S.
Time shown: {"hour": 7, "minute": 58}
